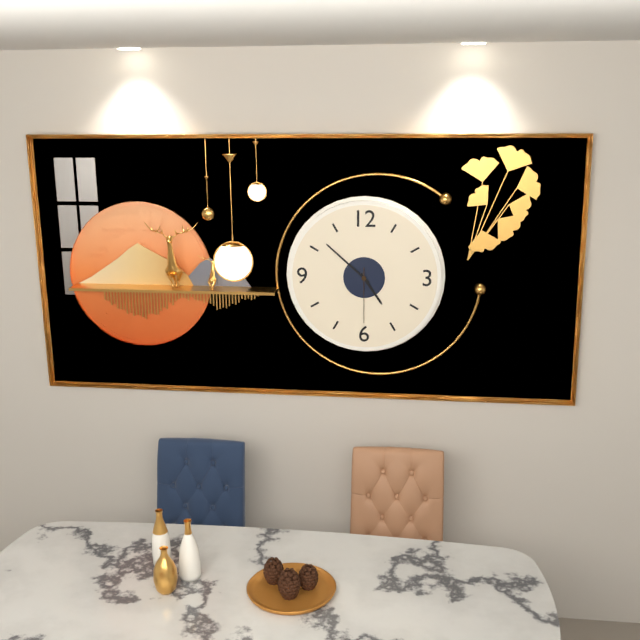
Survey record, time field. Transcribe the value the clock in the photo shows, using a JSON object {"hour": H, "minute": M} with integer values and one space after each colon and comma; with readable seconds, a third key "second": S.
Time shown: {"hour": 4, "minute": 52, "second": 30}
